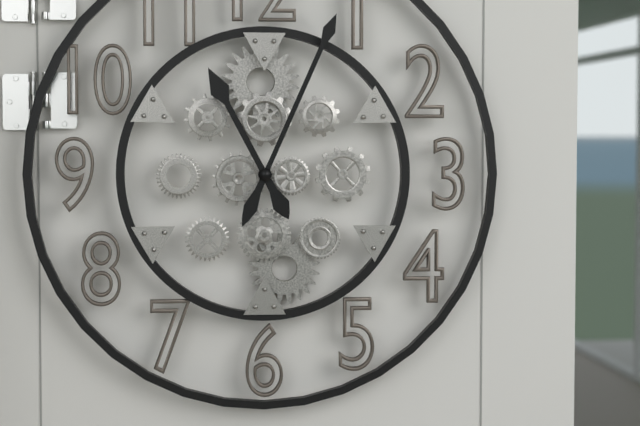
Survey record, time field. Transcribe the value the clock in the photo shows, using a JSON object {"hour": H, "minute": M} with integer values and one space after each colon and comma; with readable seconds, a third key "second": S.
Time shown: {"hour": 11, "minute": 4}
